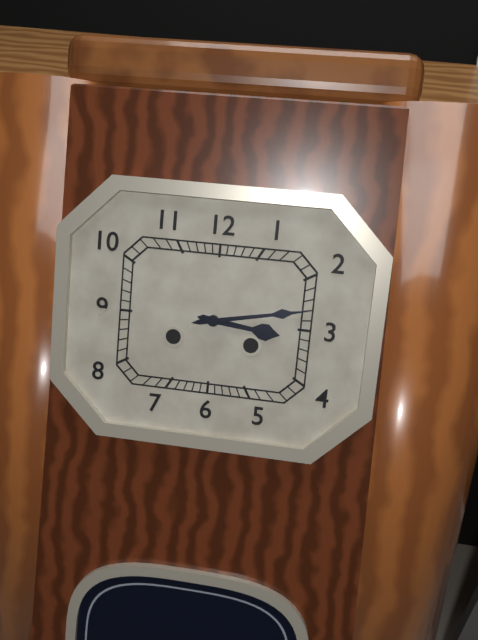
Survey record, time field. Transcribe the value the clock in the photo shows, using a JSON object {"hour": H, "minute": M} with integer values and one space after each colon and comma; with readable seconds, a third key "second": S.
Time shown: {"hour": 3, "minute": 13}
